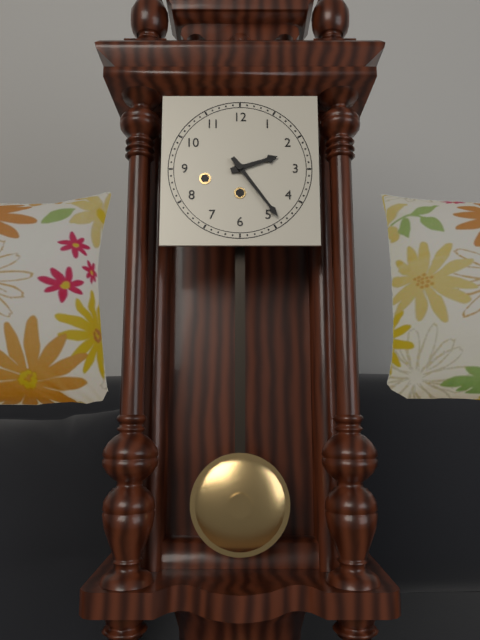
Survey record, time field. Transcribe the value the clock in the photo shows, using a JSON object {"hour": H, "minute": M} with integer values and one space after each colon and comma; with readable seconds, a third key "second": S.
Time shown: {"hour": 2, "minute": 24}
